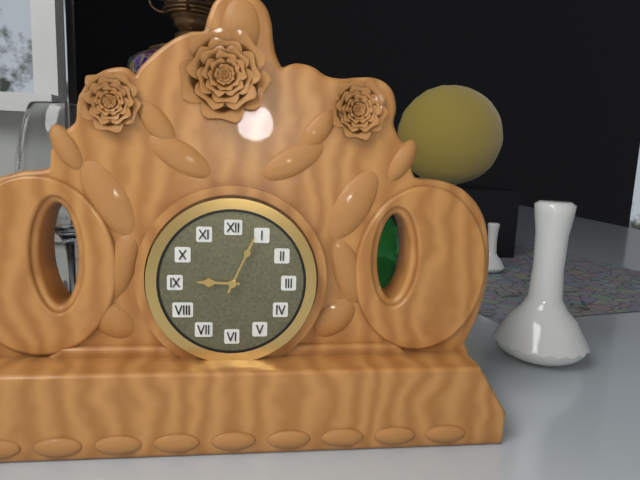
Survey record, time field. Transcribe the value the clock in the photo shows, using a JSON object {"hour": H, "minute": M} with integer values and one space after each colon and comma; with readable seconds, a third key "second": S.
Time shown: {"hour": 9, "minute": 4}
